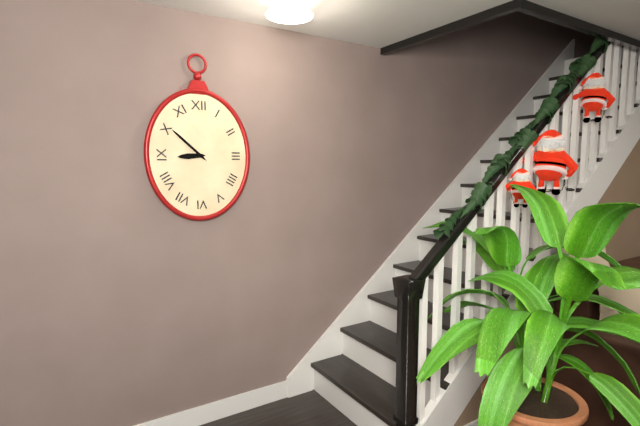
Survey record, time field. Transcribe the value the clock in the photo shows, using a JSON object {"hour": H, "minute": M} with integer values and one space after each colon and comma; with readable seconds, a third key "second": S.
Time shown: {"hour": 8, "minute": 52}
